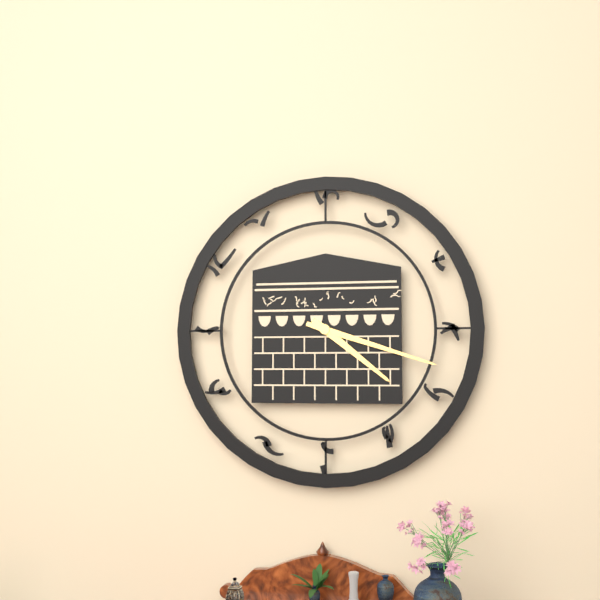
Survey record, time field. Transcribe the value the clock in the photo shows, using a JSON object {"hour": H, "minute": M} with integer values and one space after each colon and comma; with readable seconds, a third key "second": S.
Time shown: {"hour": 4, "minute": 18}
